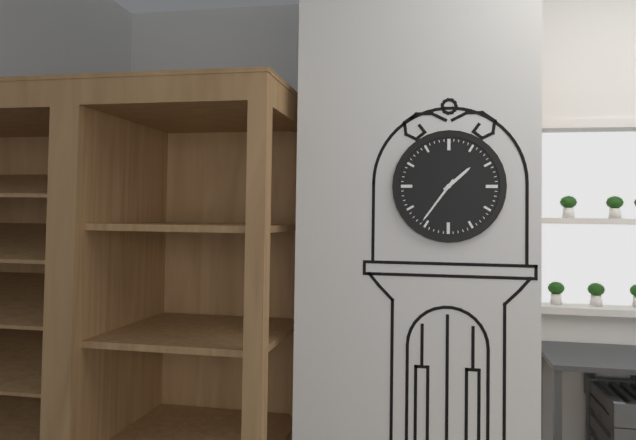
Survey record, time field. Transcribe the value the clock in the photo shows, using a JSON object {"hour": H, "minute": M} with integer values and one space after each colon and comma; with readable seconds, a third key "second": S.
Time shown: {"hour": 1, "minute": 36}
